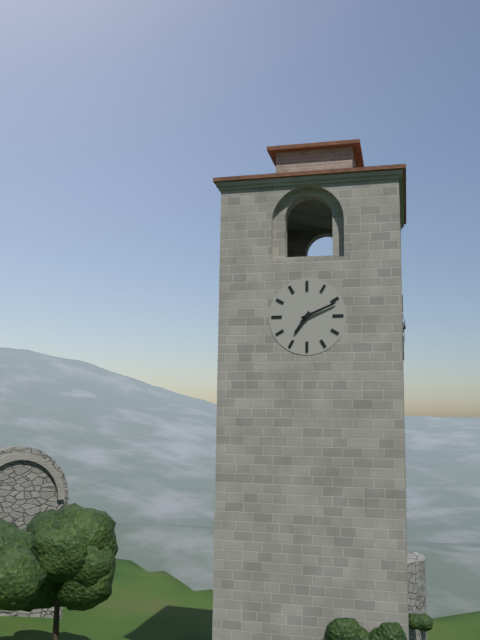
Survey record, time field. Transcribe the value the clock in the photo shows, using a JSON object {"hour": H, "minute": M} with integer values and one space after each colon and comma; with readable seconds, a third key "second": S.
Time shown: {"hour": 7, "minute": 11}
